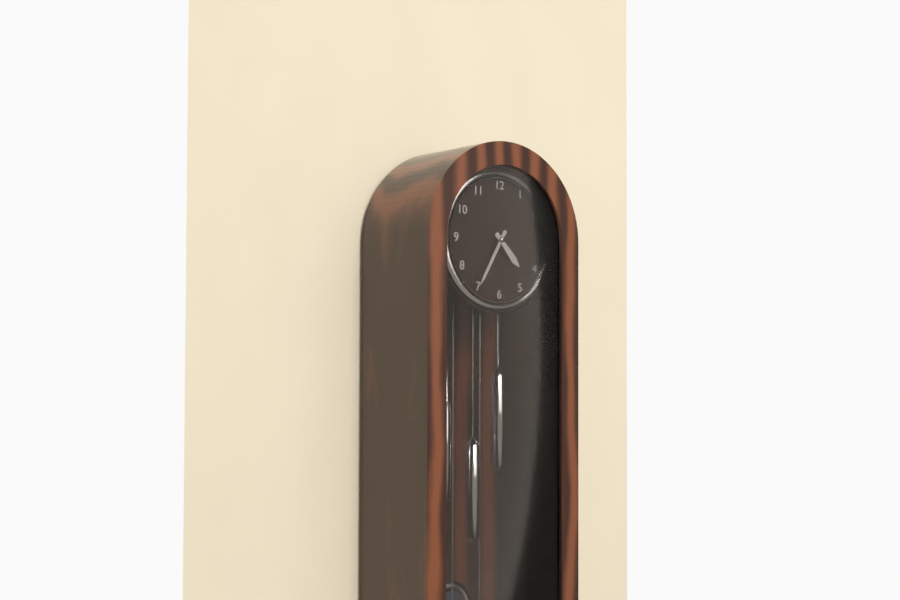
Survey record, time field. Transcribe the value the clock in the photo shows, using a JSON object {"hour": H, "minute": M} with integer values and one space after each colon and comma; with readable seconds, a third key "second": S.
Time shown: {"hour": 4, "minute": 35}
